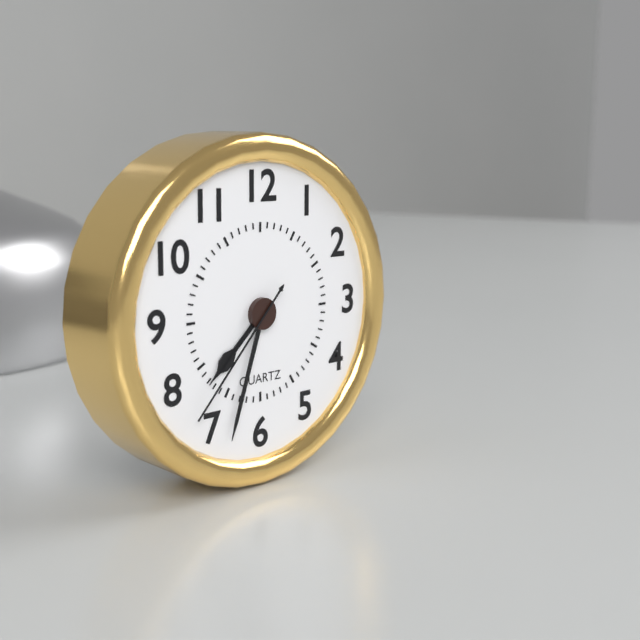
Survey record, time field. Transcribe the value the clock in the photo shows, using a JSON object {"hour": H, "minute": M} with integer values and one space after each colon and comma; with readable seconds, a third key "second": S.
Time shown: {"hour": 7, "minute": 33, "second": 37}
